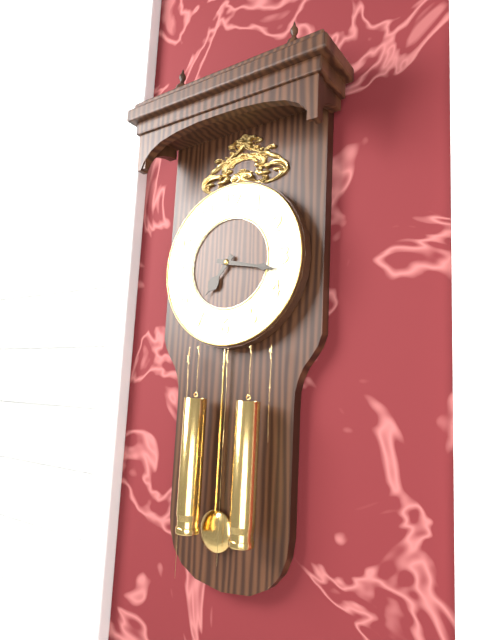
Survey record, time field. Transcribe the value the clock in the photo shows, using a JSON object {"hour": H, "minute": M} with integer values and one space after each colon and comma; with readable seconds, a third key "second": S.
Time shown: {"hour": 7, "minute": 17}
